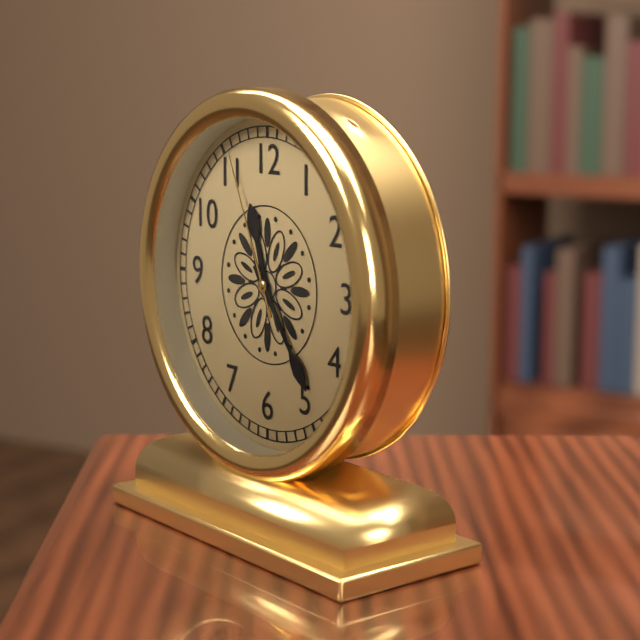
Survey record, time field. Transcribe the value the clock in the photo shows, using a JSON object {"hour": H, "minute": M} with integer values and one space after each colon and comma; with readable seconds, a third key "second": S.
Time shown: {"hour": 11, "minute": 24, "second": 56}
